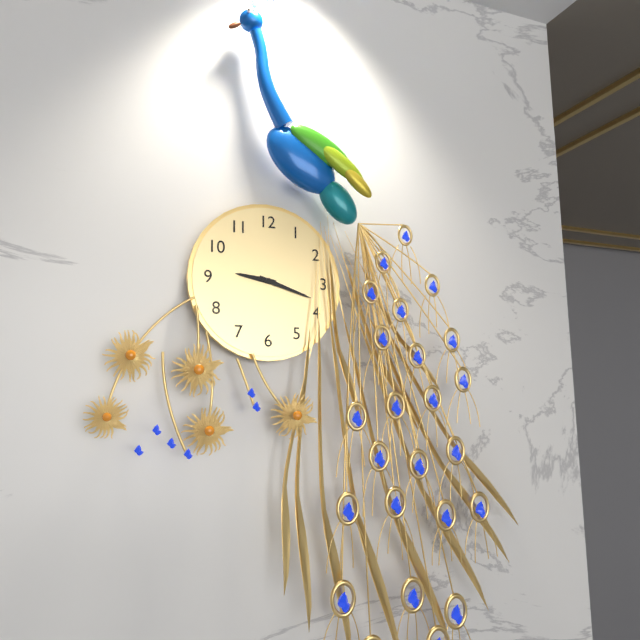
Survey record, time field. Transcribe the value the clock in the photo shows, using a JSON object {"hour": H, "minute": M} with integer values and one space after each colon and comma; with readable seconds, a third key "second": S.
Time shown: {"hour": 9, "minute": 18}
